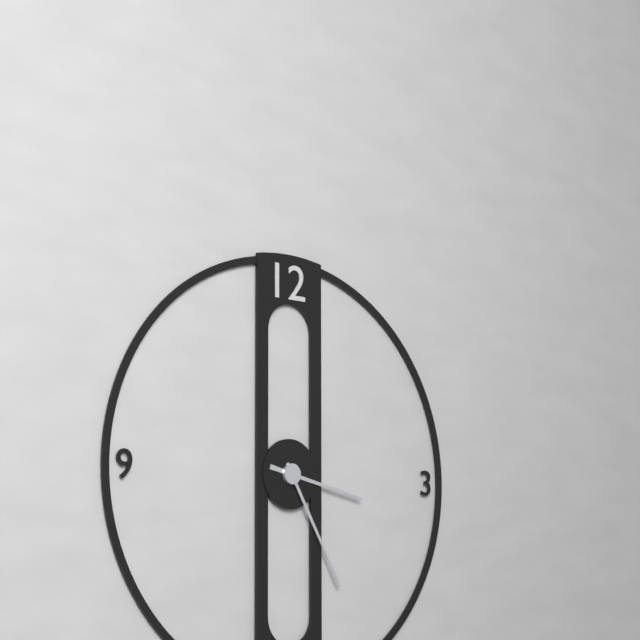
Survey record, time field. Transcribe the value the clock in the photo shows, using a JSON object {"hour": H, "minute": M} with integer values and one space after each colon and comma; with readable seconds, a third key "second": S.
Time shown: {"hour": 3, "minute": 25}
